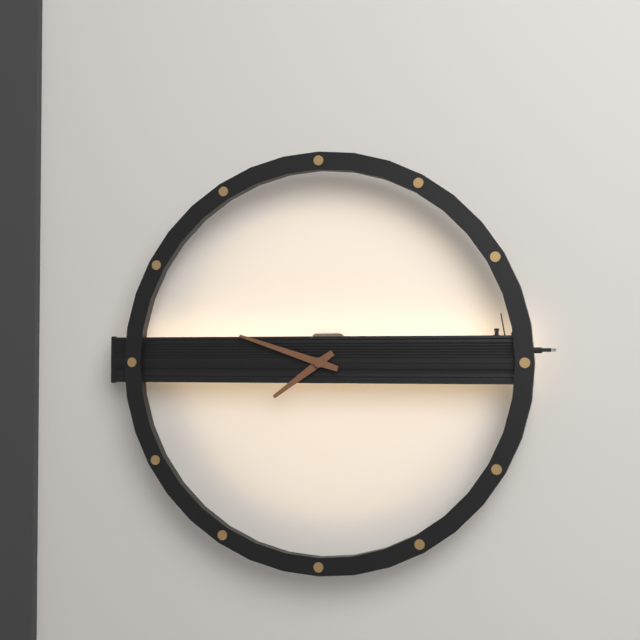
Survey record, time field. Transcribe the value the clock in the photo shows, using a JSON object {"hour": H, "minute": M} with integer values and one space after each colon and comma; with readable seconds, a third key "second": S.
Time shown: {"hour": 7, "minute": 48}
